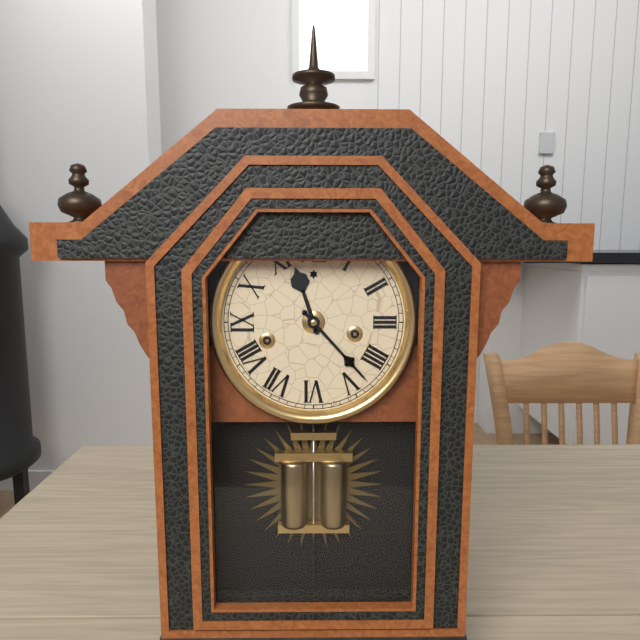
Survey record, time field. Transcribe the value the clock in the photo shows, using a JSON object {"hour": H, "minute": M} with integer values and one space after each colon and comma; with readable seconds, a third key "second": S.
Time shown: {"hour": 11, "minute": 23}
